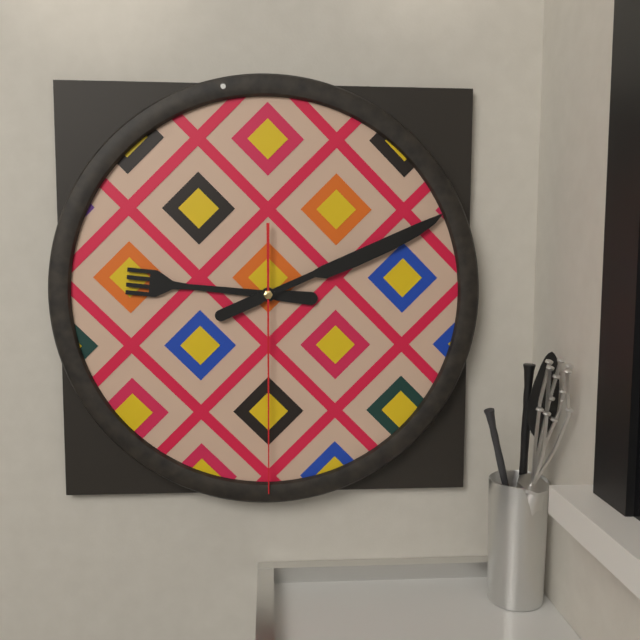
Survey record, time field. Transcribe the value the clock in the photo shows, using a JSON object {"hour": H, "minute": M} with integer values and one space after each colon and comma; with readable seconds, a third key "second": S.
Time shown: {"hour": 9, "minute": 11, "second": 30}
